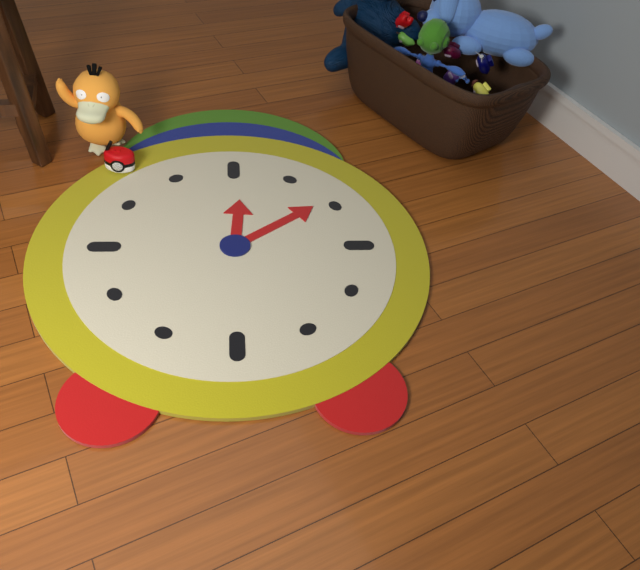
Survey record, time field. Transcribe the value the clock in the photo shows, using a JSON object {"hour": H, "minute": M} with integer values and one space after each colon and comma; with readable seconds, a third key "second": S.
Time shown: {"hour": 12, "minute": 9}
